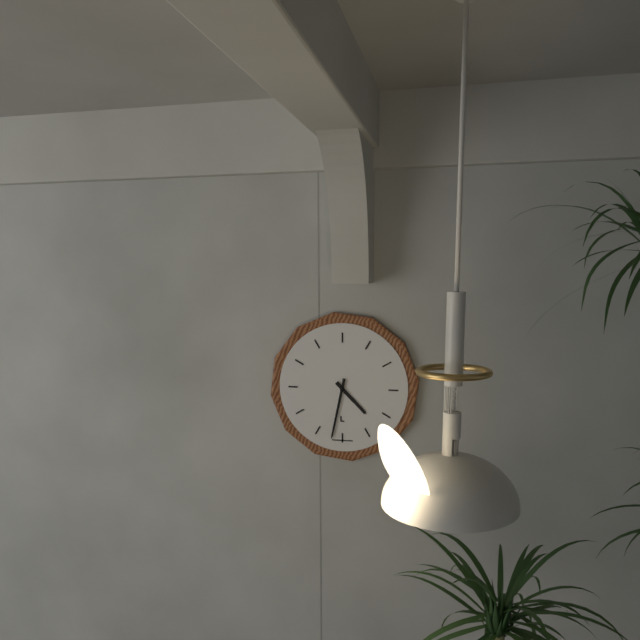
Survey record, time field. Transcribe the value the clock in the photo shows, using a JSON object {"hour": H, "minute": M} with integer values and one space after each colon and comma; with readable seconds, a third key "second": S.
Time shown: {"hour": 4, "minute": 32}
